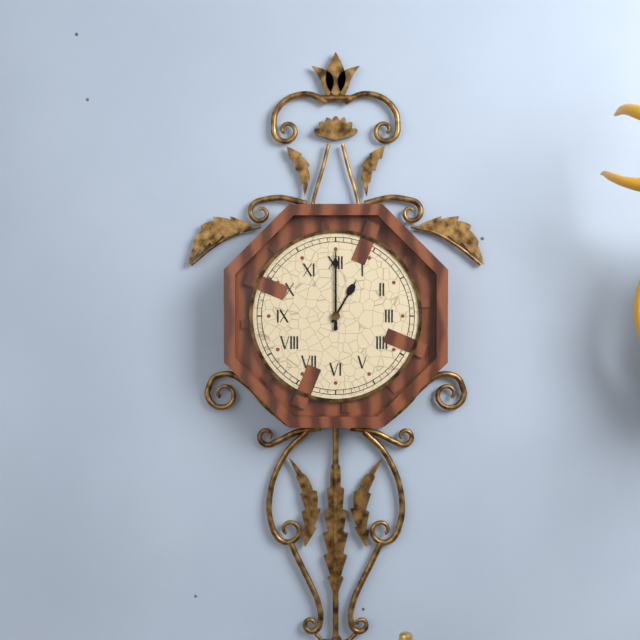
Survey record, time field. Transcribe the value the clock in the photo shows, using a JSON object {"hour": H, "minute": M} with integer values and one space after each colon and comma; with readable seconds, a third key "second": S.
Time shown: {"hour": 1, "minute": 0}
